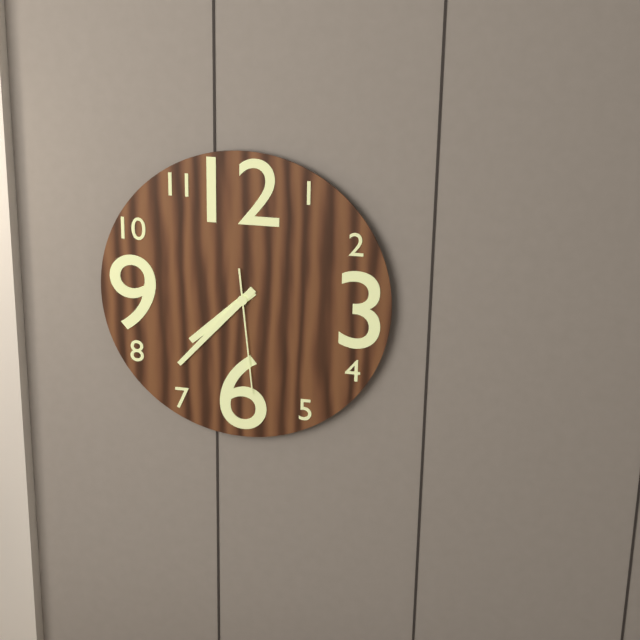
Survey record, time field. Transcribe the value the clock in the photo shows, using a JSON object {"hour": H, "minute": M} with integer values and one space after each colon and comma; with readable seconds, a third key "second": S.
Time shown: {"hour": 7, "minute": 37, "second": 29}
